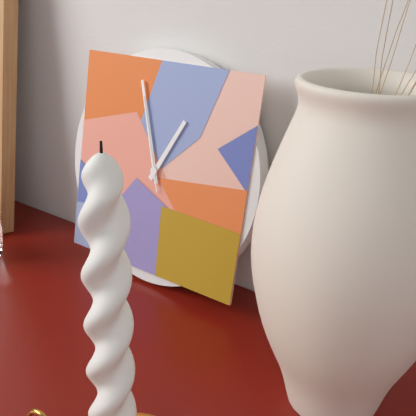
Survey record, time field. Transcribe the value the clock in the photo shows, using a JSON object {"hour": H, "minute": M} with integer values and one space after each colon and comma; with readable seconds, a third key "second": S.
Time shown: {"hour": 12, "minute": 57, "second": 57}
